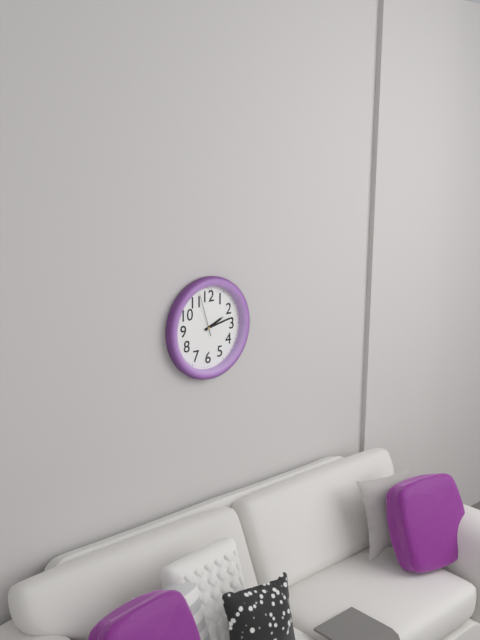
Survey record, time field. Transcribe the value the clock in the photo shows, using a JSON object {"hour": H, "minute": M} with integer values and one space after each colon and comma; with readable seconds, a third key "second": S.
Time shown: {"hour": 2, "minute": 13}
